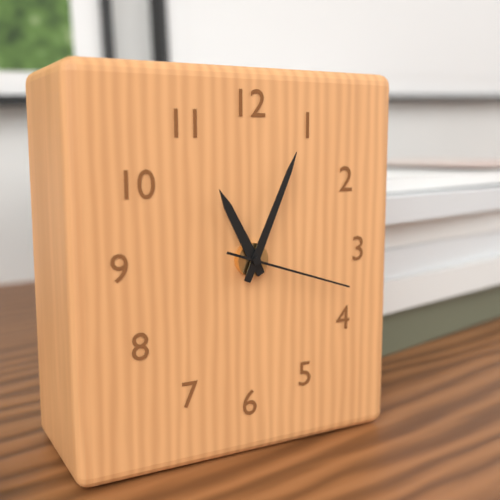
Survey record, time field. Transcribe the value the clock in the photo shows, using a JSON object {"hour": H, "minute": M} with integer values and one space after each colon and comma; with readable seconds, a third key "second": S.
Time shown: {"hour": 11, "minute": 4, "second": 18}
